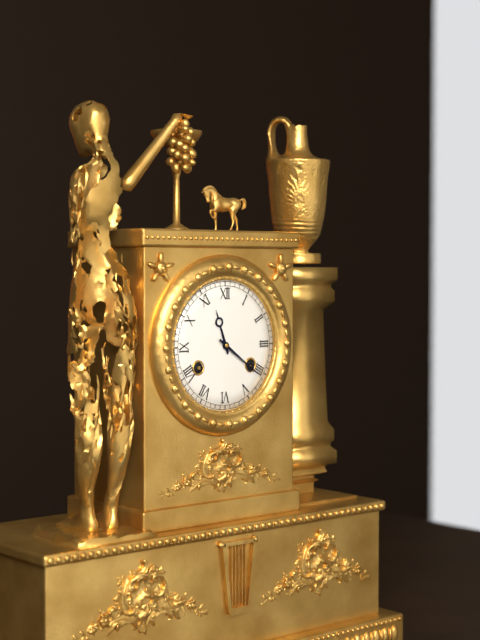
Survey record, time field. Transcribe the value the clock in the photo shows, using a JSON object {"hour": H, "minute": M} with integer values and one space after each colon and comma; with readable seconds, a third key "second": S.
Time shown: {"hour": 11, "minute": 21}
